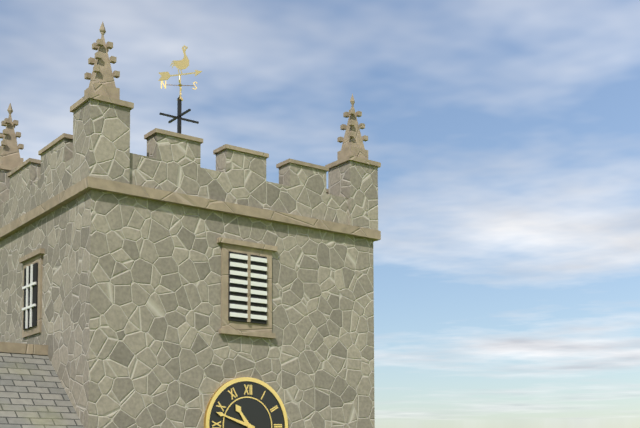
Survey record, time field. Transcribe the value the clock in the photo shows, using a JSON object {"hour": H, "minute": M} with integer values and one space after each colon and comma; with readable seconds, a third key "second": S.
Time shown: {"hour": 10, "minute": 48}
